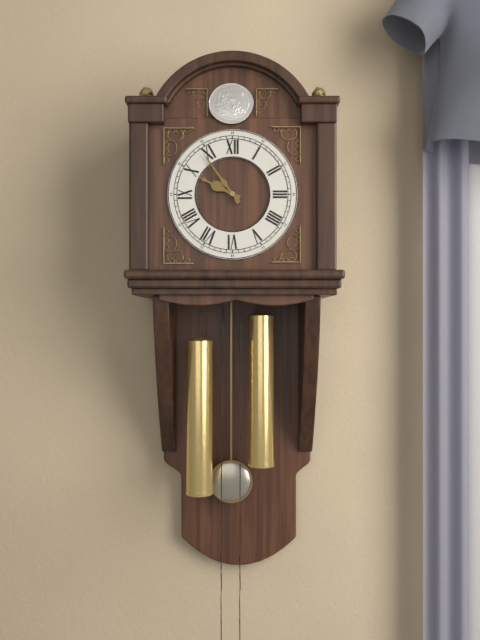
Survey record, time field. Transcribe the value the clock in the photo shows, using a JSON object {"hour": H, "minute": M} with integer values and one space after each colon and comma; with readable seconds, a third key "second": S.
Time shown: {"hour": 9, "minute": 54}
